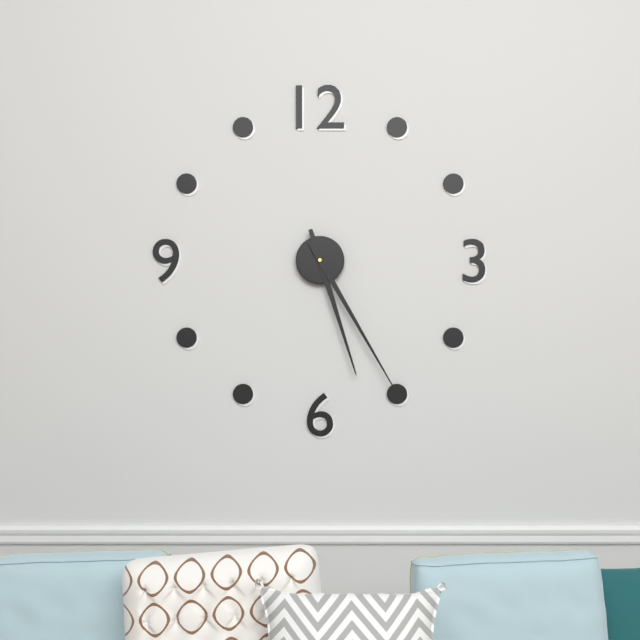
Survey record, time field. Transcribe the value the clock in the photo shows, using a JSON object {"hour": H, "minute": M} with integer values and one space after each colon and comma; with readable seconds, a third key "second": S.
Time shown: {"hour": 5, "minute": 25}
